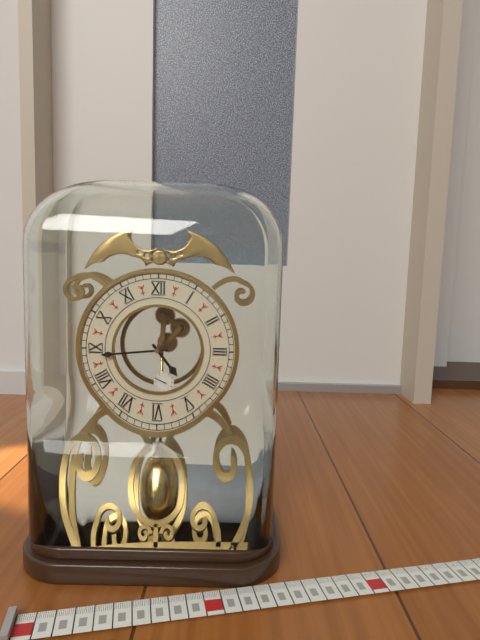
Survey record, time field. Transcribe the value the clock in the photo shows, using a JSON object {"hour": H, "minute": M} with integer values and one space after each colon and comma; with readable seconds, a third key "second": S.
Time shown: {"hour": 4, "minute": 44}
